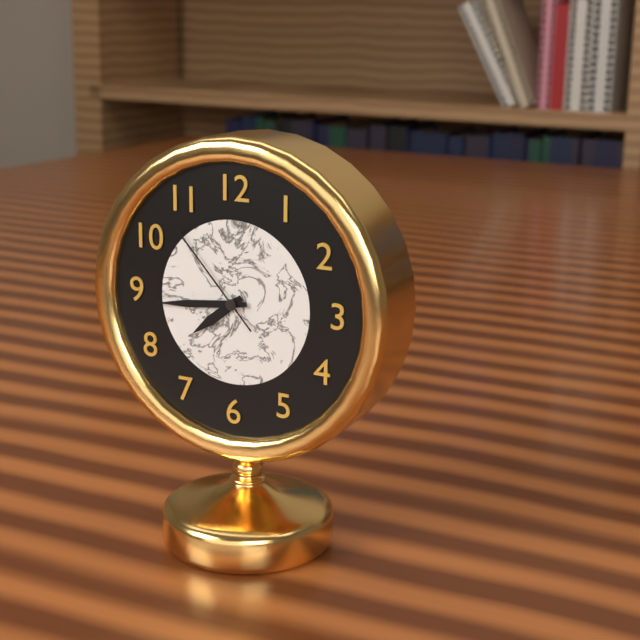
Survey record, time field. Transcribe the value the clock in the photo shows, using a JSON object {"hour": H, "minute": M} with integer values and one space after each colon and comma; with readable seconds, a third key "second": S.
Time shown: {"hour": 7, "minute": 44, "second": 53}
